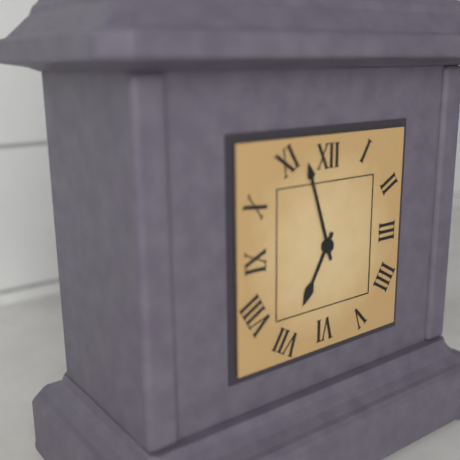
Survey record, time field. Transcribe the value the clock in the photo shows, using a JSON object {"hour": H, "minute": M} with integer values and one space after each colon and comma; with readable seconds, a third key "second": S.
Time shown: {"hour": 6, "minute": 57}
